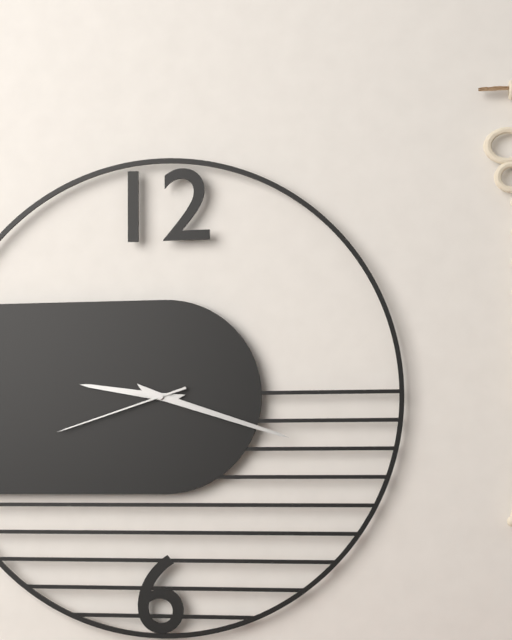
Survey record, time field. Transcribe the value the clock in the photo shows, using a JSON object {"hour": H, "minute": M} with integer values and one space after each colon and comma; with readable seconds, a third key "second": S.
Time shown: {"hour": 9, "minute": 18, "second": 42}
